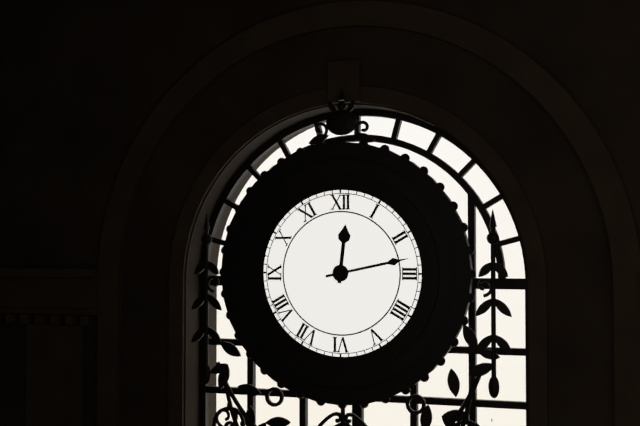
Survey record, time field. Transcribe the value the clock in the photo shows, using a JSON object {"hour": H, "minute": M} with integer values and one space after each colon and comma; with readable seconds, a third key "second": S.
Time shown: {"hour": 12, "minute": 13}
